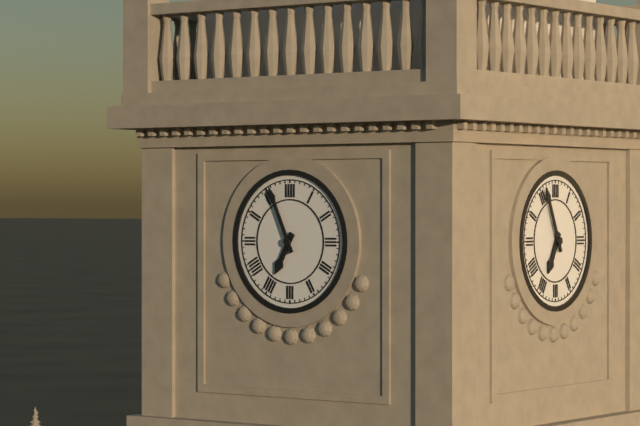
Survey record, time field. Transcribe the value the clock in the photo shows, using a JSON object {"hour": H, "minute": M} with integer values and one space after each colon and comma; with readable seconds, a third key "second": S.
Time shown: {"hour": 6, "minute": 56}
